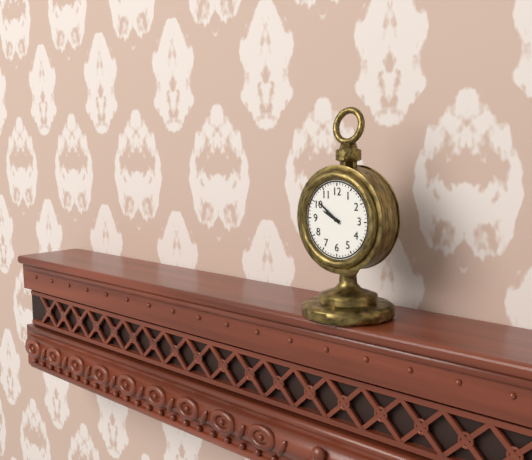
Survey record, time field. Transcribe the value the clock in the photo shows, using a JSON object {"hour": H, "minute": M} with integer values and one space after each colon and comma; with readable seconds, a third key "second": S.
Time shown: {"hour": 9, "minute": 51}
